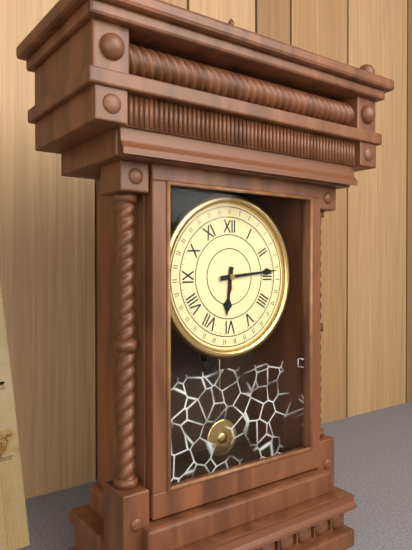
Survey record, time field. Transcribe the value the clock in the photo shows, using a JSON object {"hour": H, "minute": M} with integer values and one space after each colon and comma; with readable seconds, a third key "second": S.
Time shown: {"hour": 6, "minute": 14}
